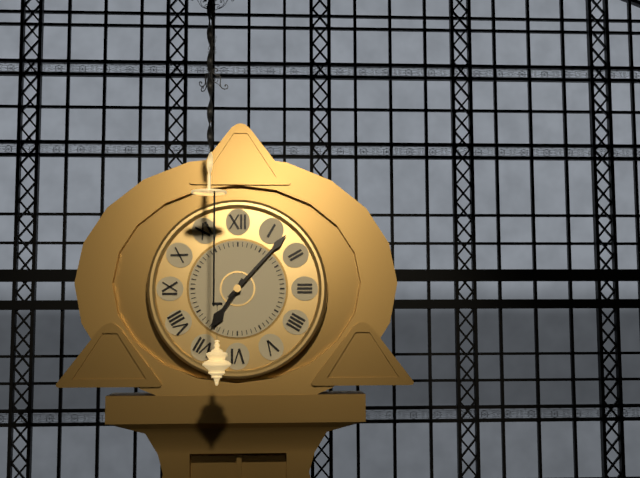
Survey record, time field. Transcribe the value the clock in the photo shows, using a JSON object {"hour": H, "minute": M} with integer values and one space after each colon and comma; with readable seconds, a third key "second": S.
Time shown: {"hour": 7, "minute": 7}
